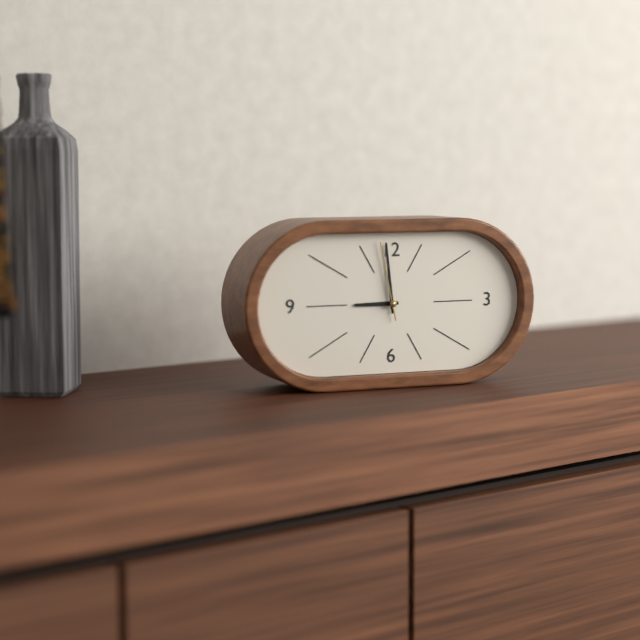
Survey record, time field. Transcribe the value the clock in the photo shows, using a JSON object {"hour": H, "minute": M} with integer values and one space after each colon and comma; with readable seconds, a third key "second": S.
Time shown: {"hour": 8, "minute": 59, "second": 58}
